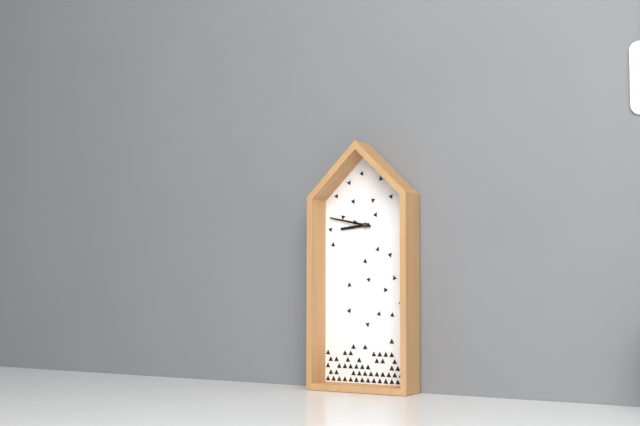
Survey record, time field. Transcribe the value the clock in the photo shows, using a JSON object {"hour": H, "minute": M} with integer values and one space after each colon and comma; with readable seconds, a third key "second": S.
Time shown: {"hour": 8, "minute": 47}
